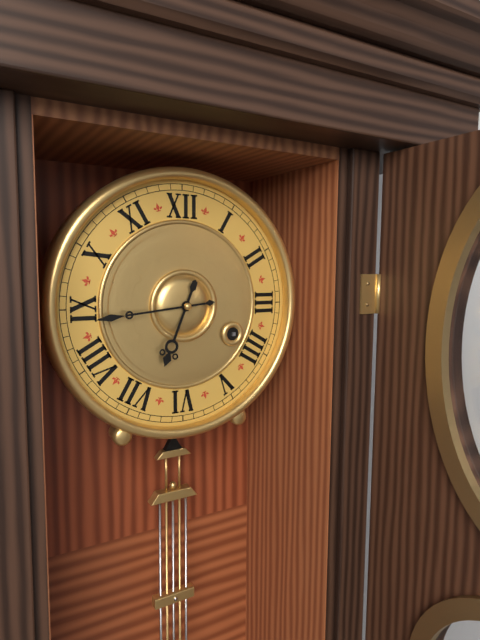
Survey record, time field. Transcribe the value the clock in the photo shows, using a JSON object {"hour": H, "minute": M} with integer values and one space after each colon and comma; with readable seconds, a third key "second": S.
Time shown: {"hour": 6, "minute": 44}
